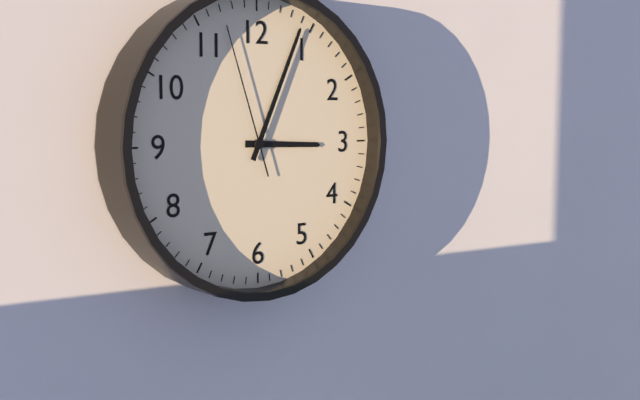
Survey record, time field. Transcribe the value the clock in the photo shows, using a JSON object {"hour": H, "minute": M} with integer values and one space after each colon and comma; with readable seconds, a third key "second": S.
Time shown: {"hour": 3, "minute": 4, "second": 57}
